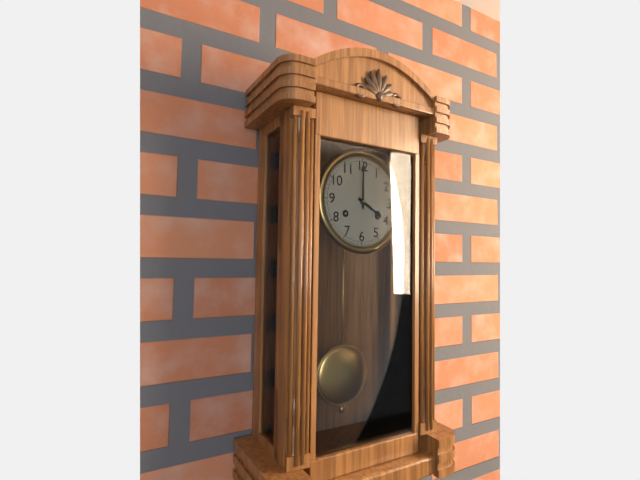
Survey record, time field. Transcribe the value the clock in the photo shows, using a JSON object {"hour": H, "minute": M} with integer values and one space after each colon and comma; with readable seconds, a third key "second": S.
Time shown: {"hour": 4, "minute": 0}
